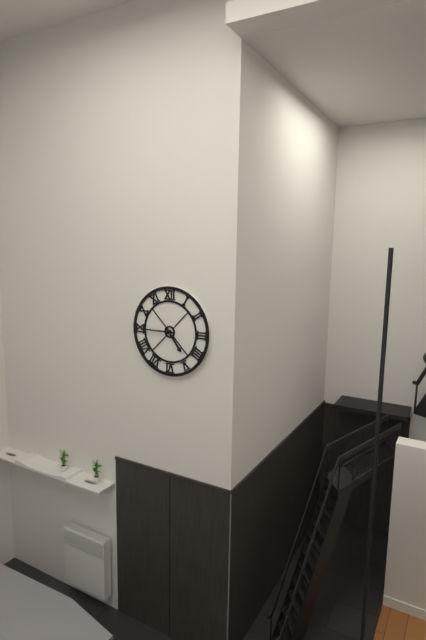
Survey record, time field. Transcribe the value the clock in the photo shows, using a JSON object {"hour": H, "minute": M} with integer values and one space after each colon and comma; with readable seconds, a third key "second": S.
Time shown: {"hour": 4, "minute": 45}
